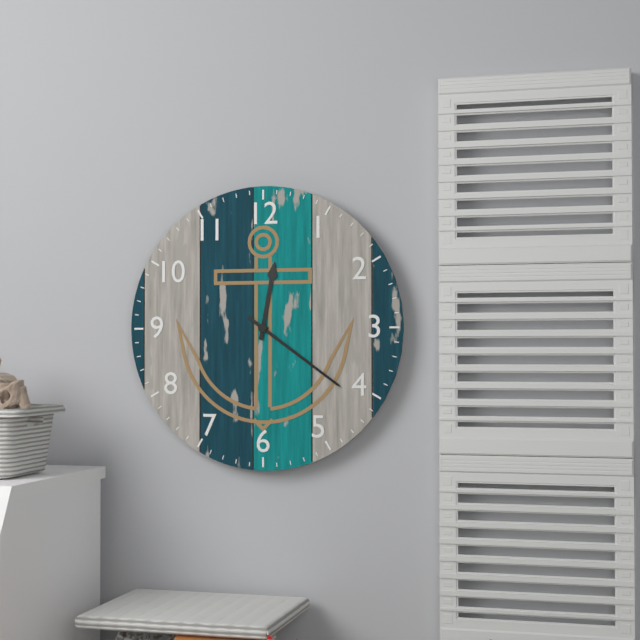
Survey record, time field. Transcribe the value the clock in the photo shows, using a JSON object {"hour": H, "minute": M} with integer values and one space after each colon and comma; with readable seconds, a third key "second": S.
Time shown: {"hour": 12, "minute": 21}
